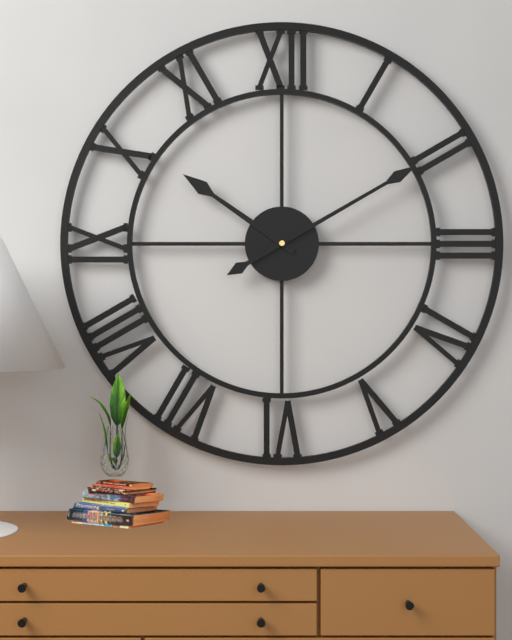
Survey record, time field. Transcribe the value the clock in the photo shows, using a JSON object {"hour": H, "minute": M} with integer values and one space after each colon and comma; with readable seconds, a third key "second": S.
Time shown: {"hour": 10, "minute": 10}
